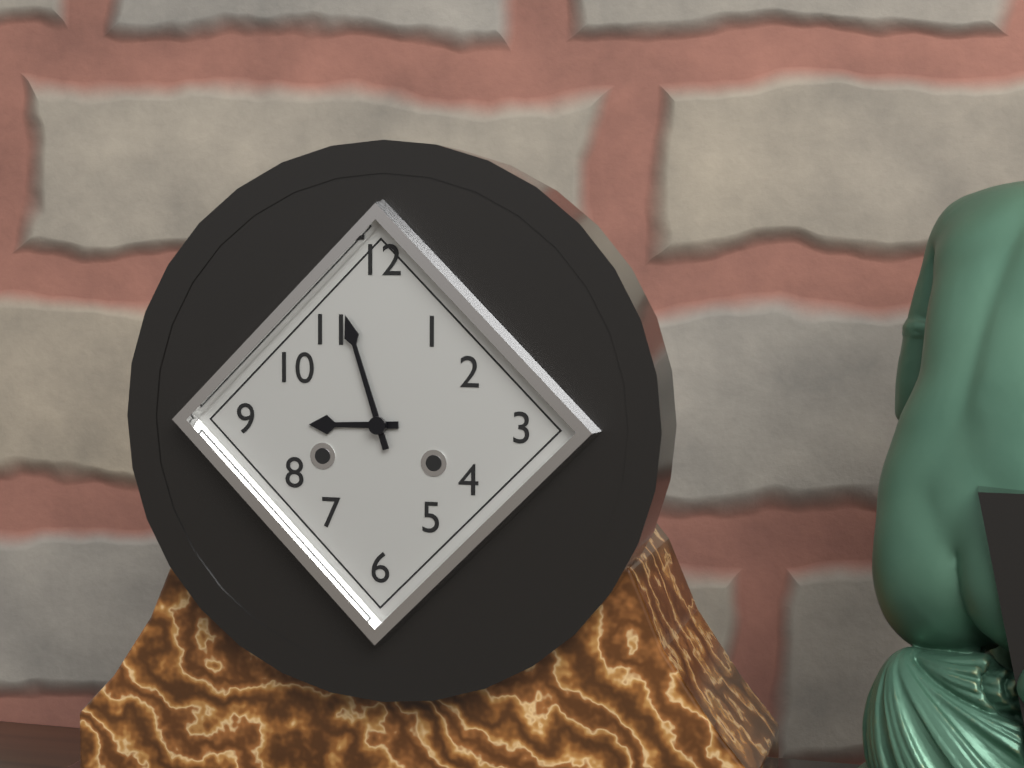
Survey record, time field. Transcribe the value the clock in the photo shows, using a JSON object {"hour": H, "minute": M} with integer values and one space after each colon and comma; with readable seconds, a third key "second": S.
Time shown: {"hour": 8, "minute": 57}
